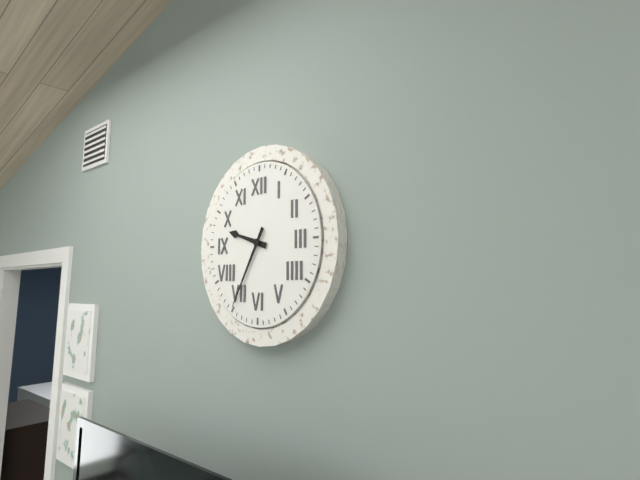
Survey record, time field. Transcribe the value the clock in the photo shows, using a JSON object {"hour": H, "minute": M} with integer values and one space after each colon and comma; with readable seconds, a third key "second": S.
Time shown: {"hour": 9, "minute": 35}
